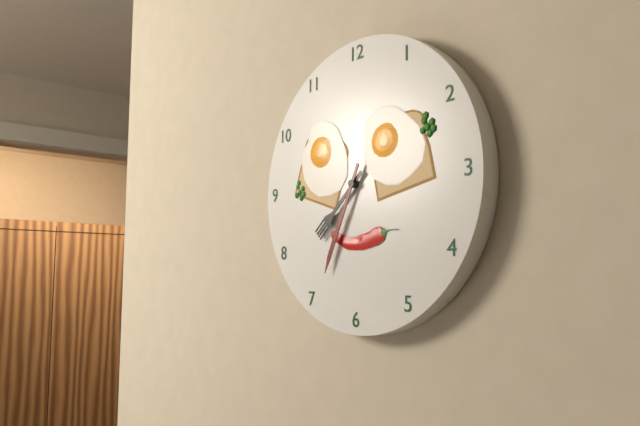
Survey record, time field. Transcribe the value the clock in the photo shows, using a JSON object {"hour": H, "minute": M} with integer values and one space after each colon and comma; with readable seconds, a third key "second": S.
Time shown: {"hour": 7, "minute": 34}
